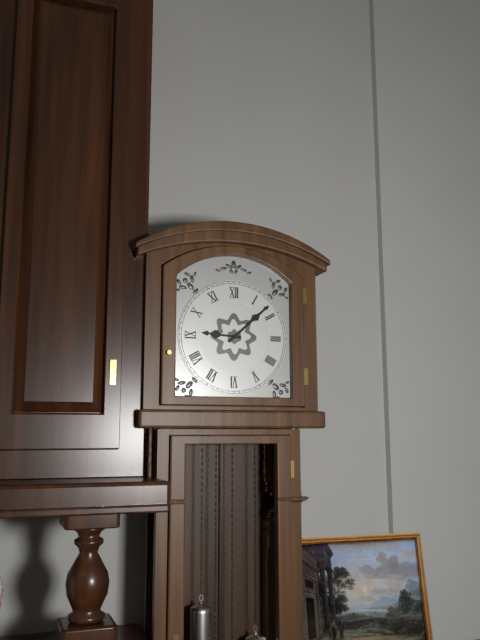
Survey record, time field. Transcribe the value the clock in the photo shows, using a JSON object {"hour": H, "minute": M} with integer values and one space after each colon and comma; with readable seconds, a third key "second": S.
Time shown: {"hour": 9, "minute": 8}
